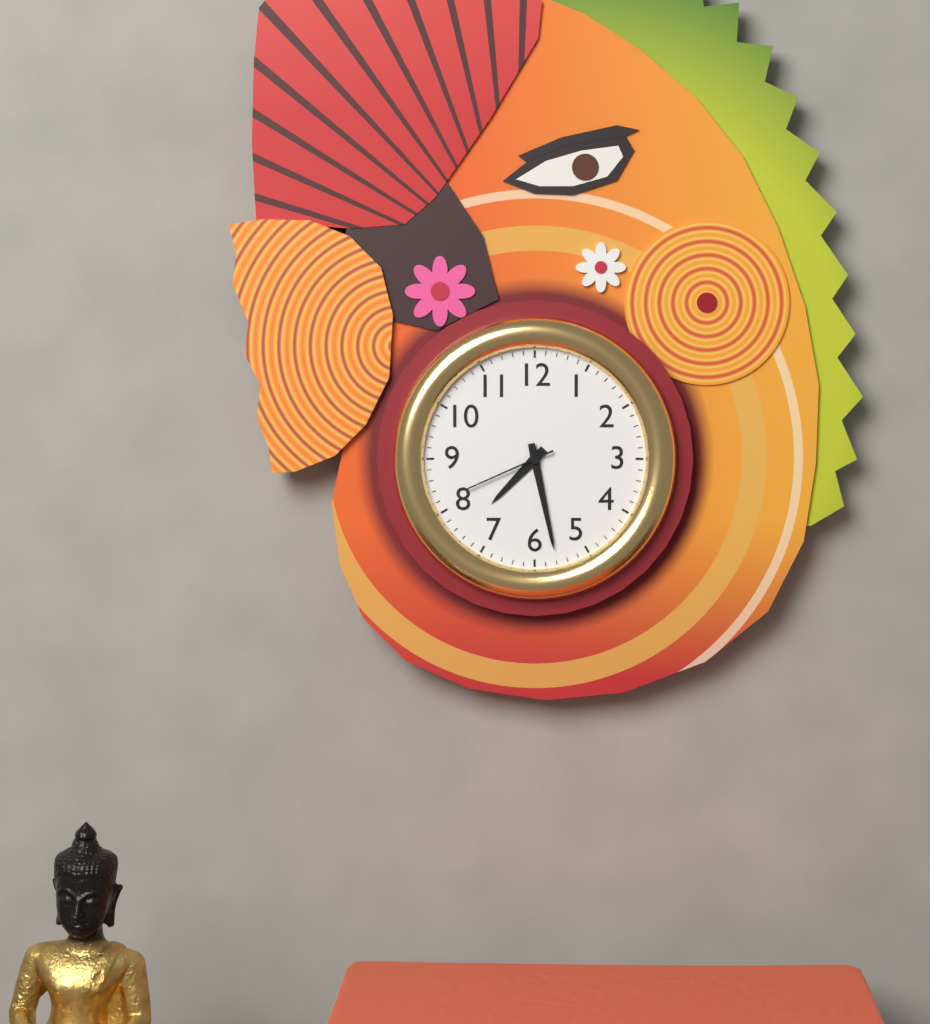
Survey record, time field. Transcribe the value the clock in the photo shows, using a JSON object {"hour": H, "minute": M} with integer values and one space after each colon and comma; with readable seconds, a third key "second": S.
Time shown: {"hour": 7, "minute": 28, "second": 41}
